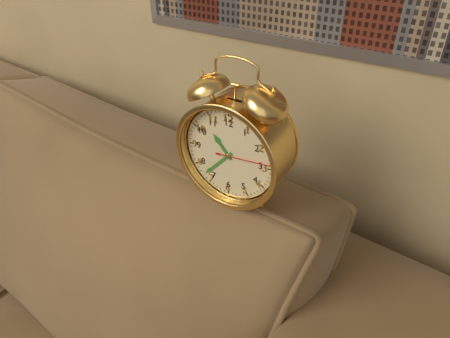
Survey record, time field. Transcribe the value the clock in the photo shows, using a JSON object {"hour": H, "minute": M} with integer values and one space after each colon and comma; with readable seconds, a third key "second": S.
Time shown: {"hour": 10, "minute": 37, "second": 14}
